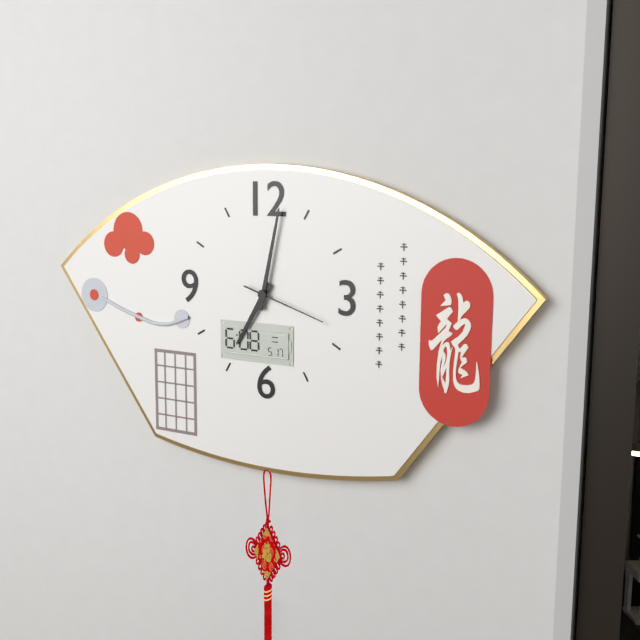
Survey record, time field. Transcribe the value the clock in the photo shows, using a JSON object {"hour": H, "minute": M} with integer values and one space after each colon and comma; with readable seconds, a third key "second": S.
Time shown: {"hour": 7, "minute": 2, "second": 18}
